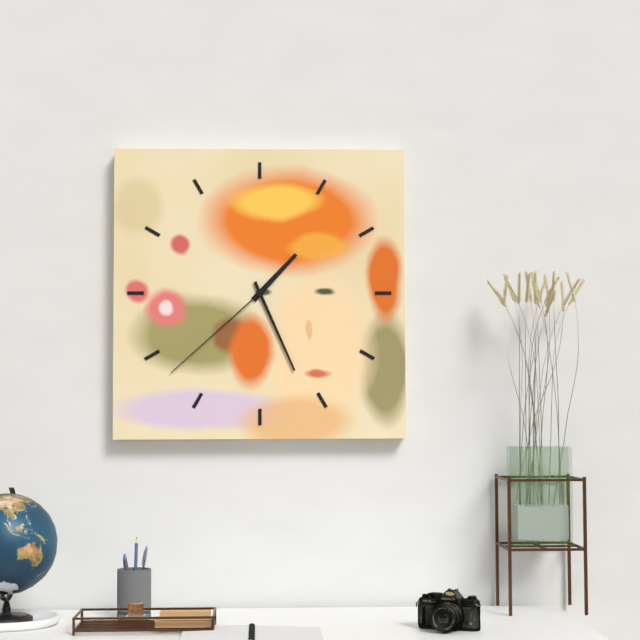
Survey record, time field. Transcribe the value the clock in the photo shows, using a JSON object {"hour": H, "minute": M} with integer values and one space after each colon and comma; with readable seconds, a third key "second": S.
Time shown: {"hour": 1, "minute": 26, "second": 38}
